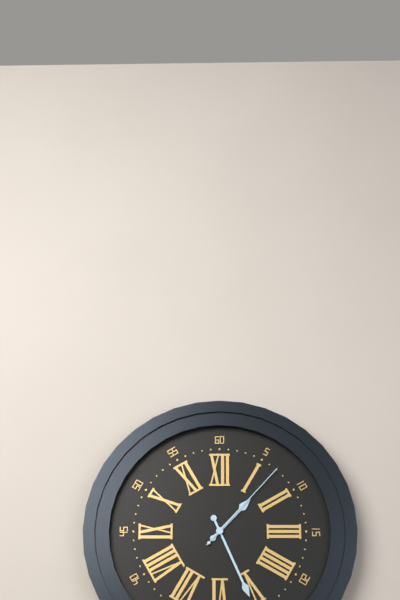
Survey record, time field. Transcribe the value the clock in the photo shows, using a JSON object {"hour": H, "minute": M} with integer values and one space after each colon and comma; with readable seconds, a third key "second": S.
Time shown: {"hour": 1, "minute": 26, "second": 7}
